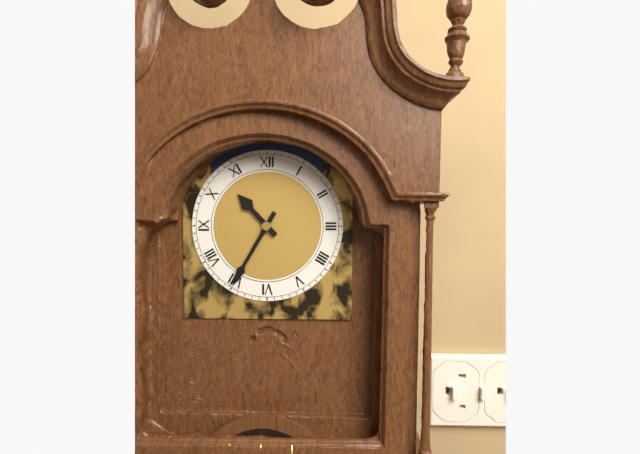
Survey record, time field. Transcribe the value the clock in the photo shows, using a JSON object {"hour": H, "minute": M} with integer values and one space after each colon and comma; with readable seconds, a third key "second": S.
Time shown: {"hour": 10, "minute": 35}
